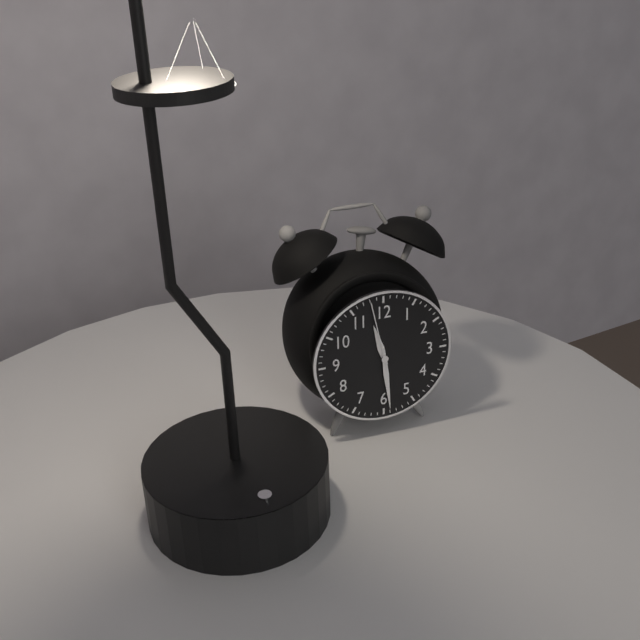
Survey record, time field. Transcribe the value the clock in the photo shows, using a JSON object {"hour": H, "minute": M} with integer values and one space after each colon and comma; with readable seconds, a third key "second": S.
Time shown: {"hour": 11, "minute": 29, "second": 58}
